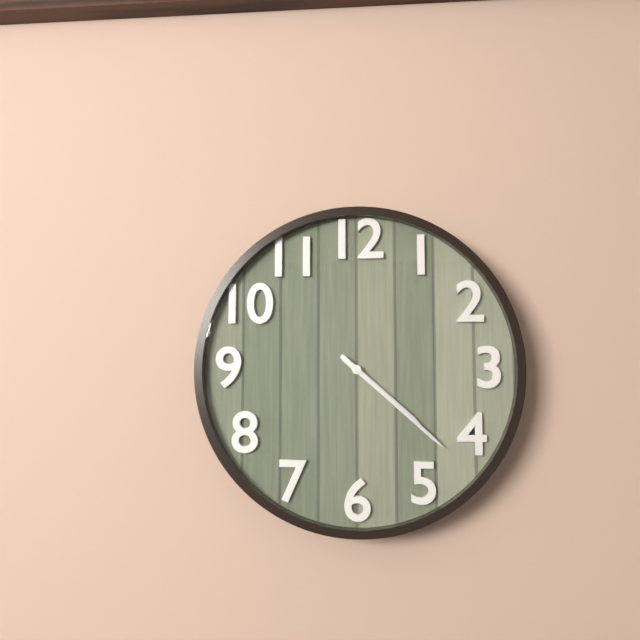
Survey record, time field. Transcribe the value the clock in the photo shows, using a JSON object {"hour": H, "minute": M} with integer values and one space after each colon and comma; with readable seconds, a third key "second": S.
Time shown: {"hour": 4, "minute": 22}
